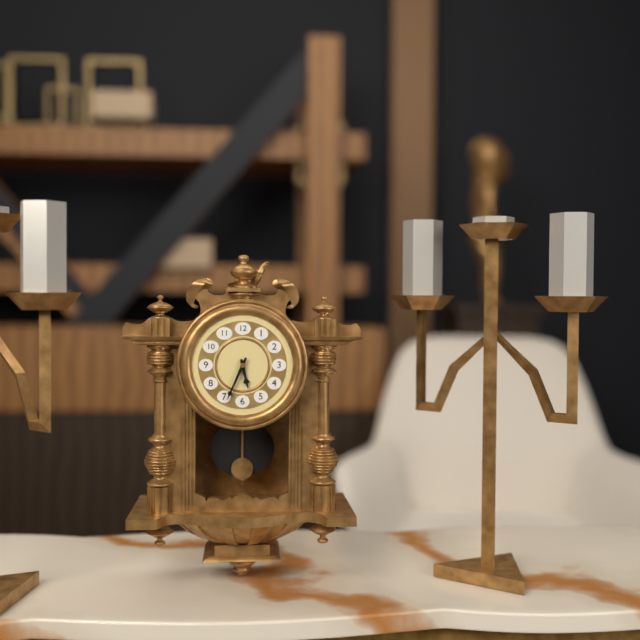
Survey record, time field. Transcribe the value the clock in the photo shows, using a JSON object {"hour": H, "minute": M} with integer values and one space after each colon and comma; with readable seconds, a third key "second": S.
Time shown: {"hour": 5, "minute": 34}
